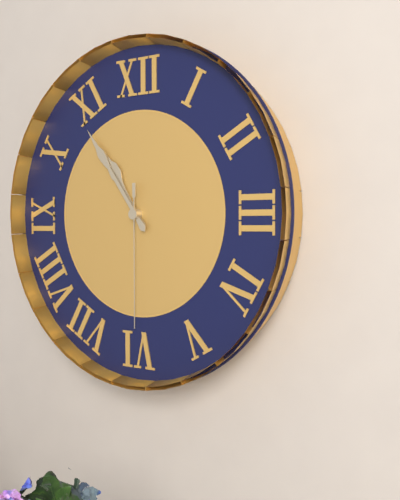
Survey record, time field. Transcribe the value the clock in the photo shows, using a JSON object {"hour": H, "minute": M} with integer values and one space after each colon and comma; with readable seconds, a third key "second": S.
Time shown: {"hour": 10, "minute": 54, "second": 30}
